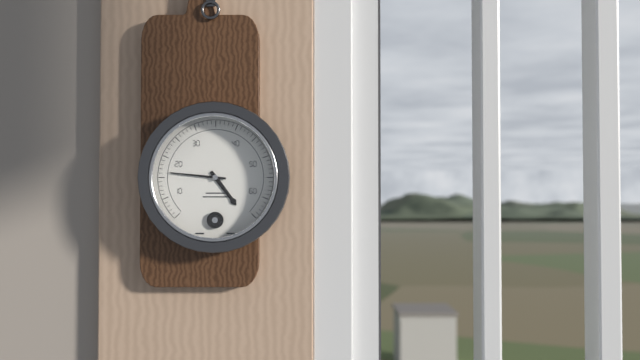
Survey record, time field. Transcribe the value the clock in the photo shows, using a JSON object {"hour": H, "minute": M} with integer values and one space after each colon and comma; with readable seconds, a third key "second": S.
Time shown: {"hour": 4, "minute": 46}
